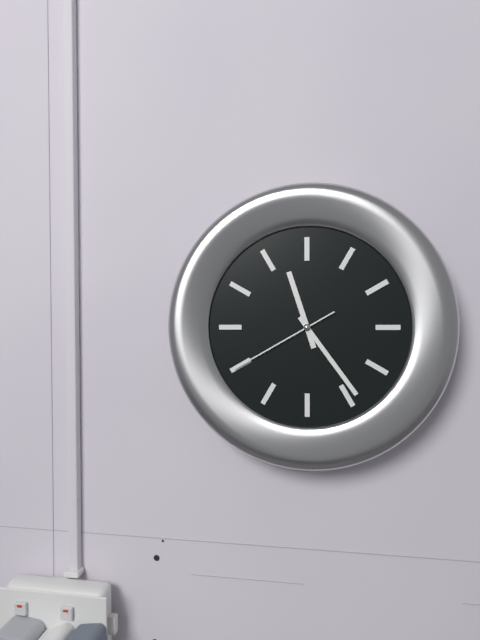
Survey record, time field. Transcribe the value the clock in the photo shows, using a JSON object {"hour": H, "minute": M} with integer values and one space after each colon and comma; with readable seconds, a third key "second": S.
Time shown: {"hour": 11, "minute": 24, "second": 40}
